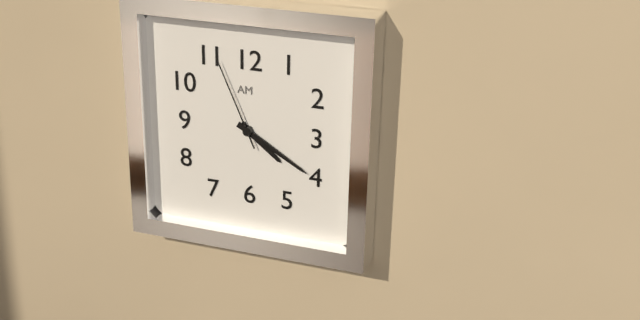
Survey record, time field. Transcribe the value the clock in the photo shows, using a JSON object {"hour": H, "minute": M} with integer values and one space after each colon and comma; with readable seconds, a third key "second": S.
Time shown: {"hour": 4, "minute": 20, "second": 56}
